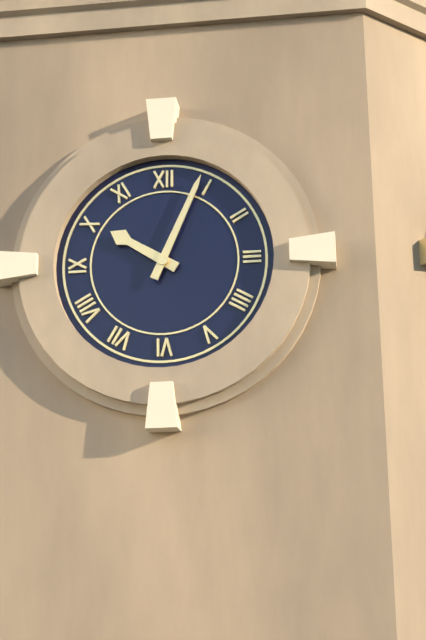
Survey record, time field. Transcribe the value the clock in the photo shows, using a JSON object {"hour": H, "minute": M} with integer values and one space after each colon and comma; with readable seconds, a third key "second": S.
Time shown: {"hour": 10, "minute": 4}
